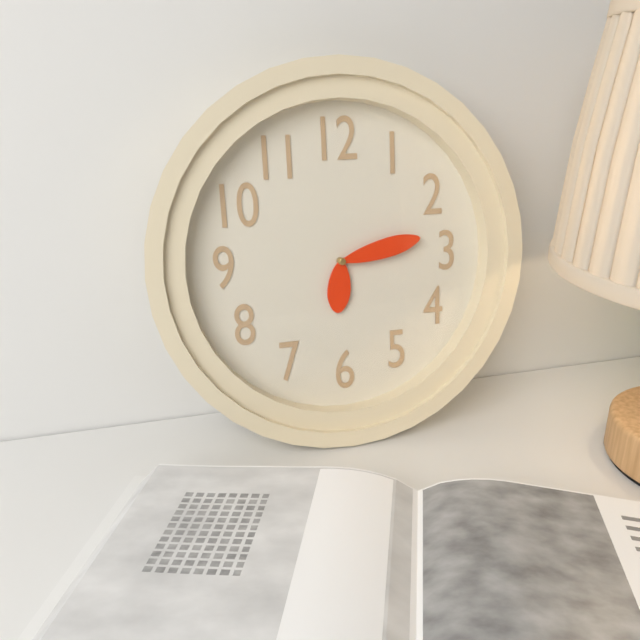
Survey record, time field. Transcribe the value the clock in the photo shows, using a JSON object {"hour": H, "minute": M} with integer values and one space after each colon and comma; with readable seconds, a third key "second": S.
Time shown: {"hour": 6, "minute": 13}
